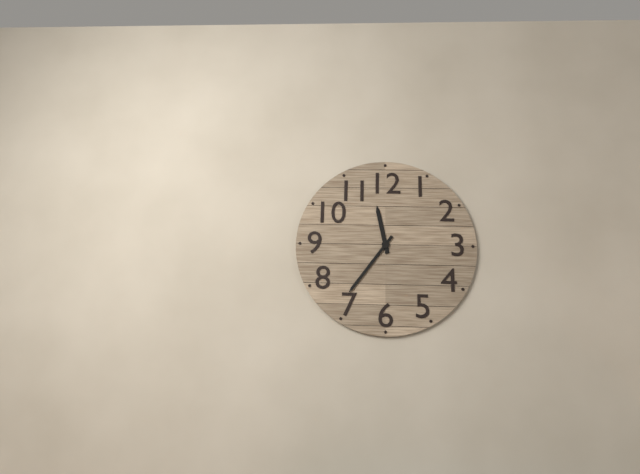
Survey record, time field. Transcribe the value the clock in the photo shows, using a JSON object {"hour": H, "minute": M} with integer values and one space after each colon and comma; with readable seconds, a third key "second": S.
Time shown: {"hour": 11, "minute": 36}
